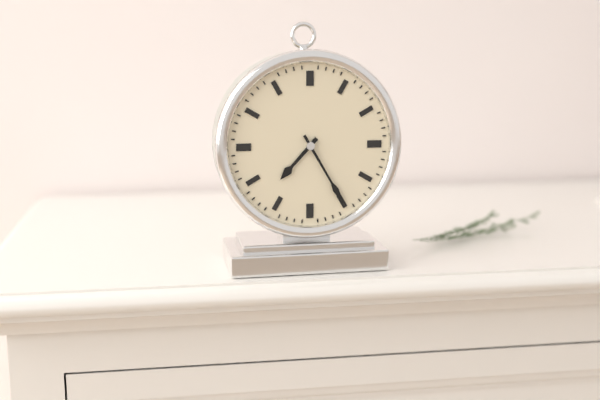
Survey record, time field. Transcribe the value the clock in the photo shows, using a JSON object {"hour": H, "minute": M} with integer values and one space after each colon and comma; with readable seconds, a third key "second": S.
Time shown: {"hour": 7, "minute": 25}
